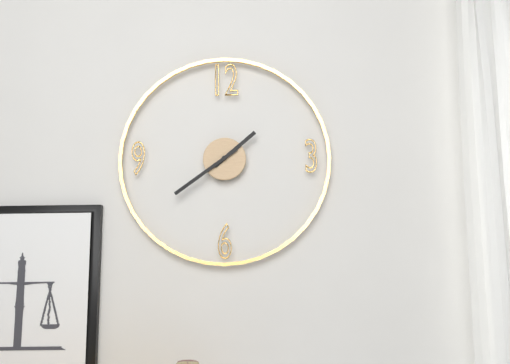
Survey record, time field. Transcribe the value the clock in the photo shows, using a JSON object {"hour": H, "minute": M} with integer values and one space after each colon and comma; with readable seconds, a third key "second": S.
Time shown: {"hour": 1, "minute": 39}
